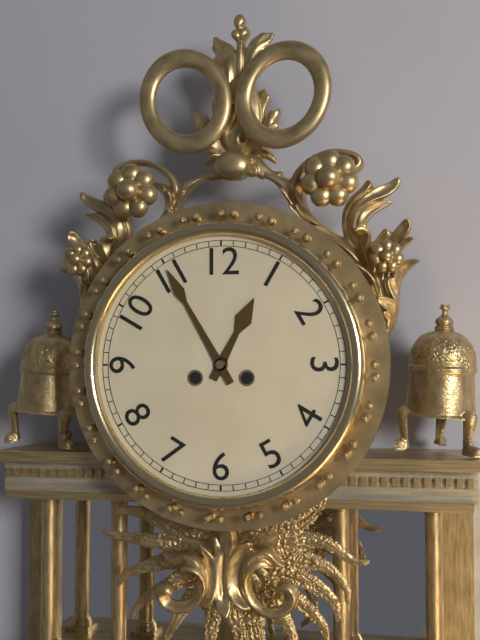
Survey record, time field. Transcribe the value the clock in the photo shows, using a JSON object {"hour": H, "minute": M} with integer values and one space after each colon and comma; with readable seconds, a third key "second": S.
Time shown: {"hour": 12, "minute": 55}
